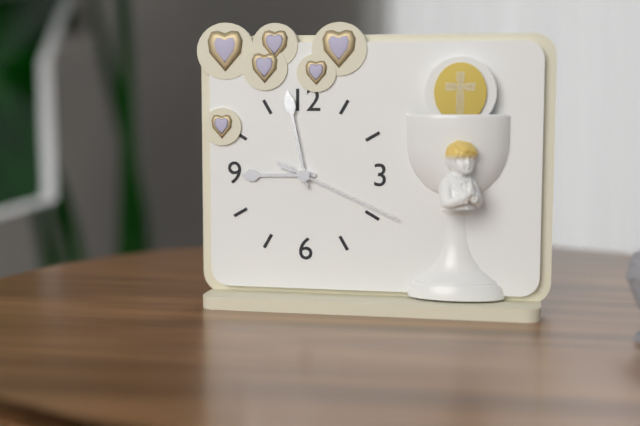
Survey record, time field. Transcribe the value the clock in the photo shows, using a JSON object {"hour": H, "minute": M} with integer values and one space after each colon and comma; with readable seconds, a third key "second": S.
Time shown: {"hour": 8, "minute": 58, "second": 19}
